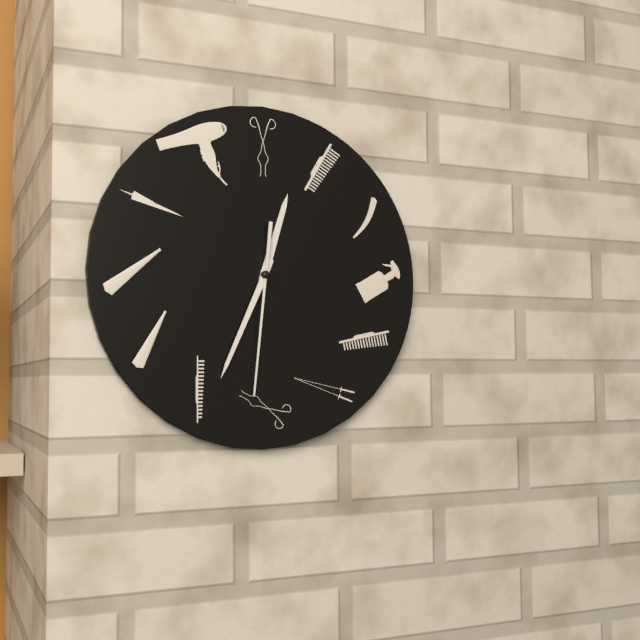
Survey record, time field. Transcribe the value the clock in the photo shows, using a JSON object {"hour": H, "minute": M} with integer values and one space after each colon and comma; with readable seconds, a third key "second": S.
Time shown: {"hour": 12, "minute": 34, "second": 31}
